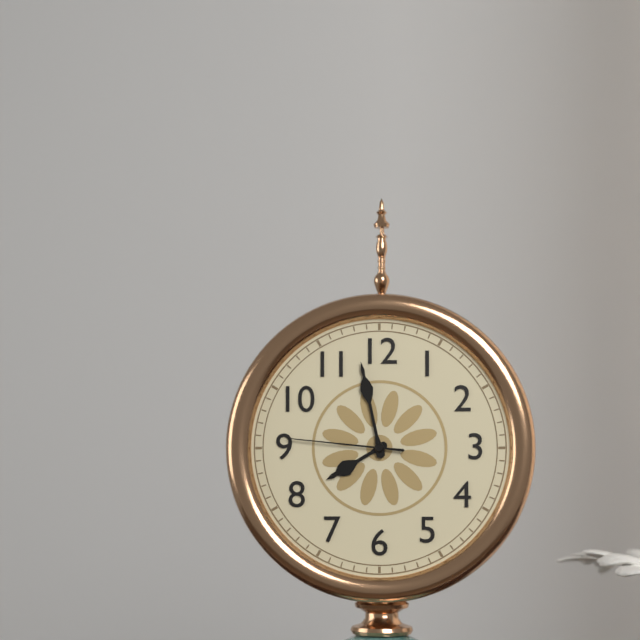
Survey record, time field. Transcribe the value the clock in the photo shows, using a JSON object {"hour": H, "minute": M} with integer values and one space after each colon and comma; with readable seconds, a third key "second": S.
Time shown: {"hour": 7, "minute": 58, "second": 46}
